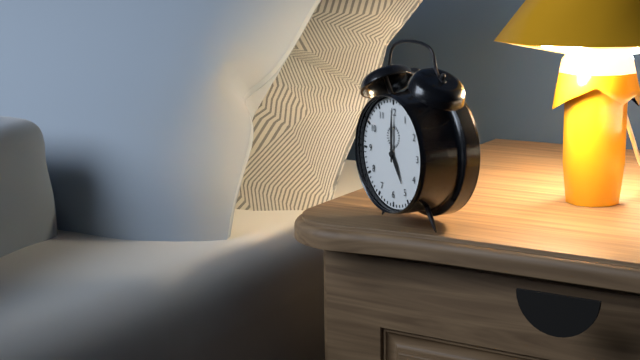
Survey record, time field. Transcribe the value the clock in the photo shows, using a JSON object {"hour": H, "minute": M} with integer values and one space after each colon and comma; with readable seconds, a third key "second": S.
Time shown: {"hour": 5, "minute": 0}
